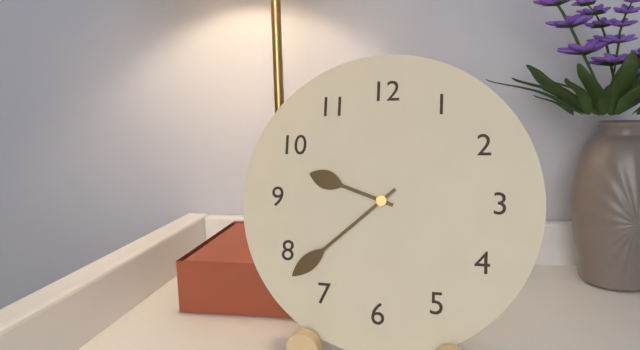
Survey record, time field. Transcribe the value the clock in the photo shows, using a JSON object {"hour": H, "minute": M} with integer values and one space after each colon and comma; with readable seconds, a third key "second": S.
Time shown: {"hour": 9, "minute": 38}
